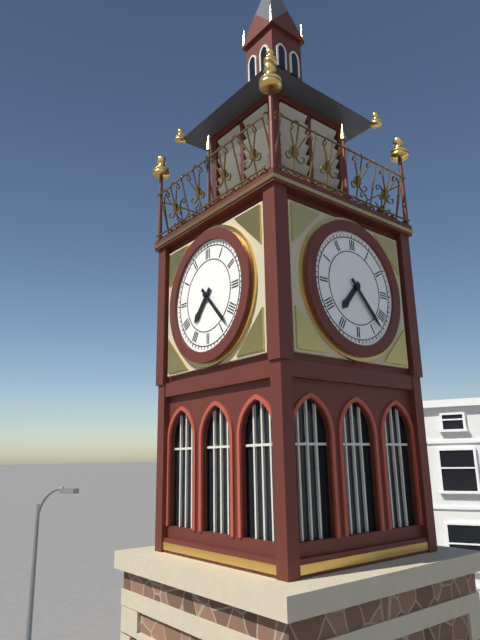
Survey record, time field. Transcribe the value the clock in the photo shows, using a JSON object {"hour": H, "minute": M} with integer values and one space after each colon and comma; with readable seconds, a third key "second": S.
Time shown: {"hour": 7, "minute": 23}
